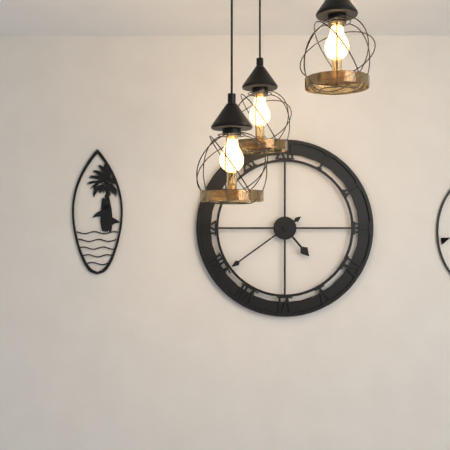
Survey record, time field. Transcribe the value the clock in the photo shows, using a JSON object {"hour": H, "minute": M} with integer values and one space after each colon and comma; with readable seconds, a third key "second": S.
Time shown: {"hour": 4, "minute": 39}
